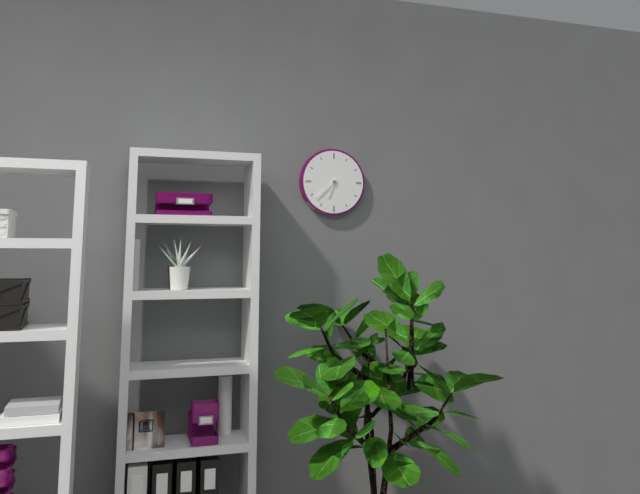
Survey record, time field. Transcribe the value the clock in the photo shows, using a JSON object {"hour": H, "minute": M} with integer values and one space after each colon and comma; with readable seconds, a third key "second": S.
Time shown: {"hour": 6, "minute": 38}
